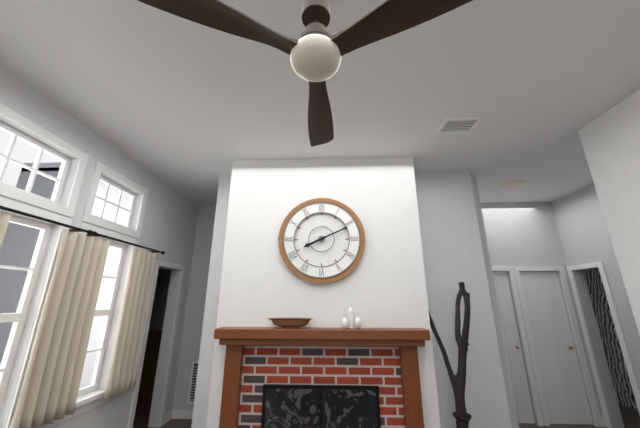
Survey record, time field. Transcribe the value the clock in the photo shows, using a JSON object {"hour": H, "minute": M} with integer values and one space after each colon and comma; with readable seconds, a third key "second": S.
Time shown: {"hour": 8, "minute": 11}
